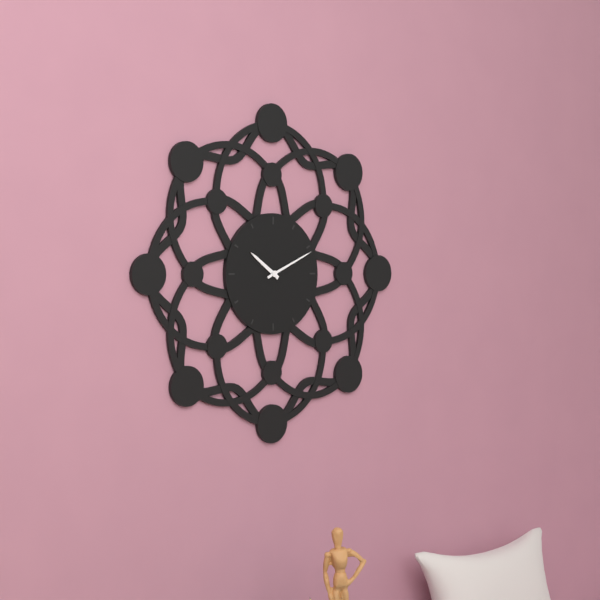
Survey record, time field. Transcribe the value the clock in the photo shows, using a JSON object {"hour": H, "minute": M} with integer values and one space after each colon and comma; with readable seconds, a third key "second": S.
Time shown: {"hour": 10, "minute": 11}
